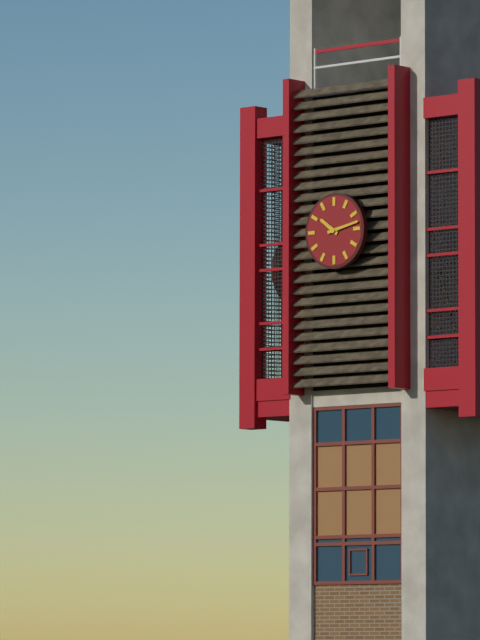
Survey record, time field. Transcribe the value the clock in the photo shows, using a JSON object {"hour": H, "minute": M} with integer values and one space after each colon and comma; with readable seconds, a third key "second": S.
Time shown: {"hour": 10, "minute": 13}
